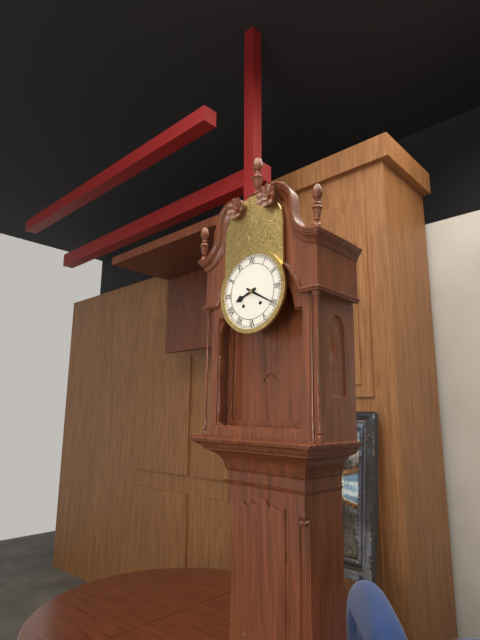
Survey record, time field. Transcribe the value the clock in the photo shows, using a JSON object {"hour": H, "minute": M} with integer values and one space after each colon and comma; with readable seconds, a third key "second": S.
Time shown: {"hour": 8, "minute": 20}
